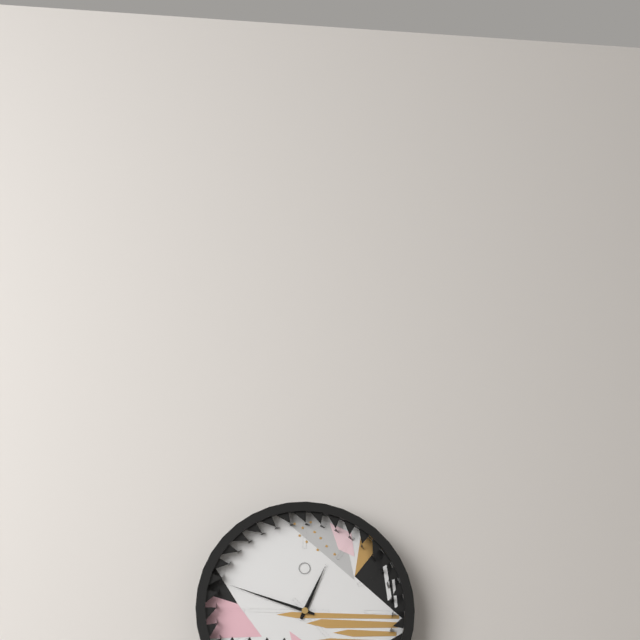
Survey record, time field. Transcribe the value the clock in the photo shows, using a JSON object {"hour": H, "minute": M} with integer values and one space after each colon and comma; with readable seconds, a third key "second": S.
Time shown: {"hour": 12, "minute": 48}
